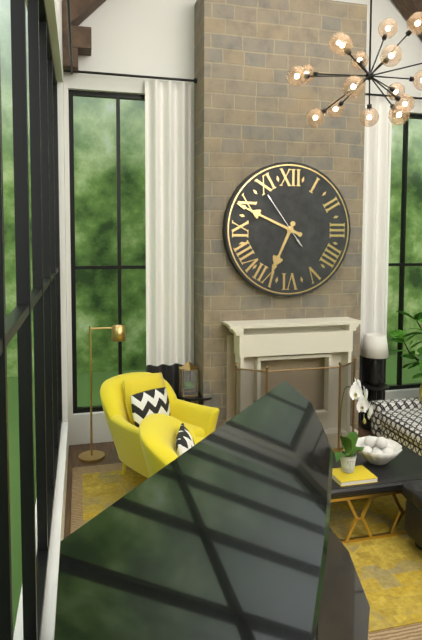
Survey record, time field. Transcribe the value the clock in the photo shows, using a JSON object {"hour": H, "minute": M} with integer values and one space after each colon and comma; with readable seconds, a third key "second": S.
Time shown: {"hour": 6, "minute": 49, "second": 54}
